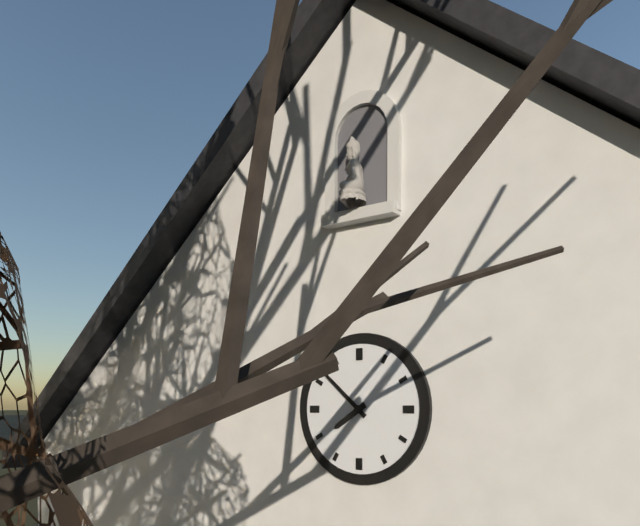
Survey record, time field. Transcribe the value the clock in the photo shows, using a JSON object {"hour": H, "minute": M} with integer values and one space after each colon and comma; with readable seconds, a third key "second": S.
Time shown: {"hour": 7, "minute": 52}
